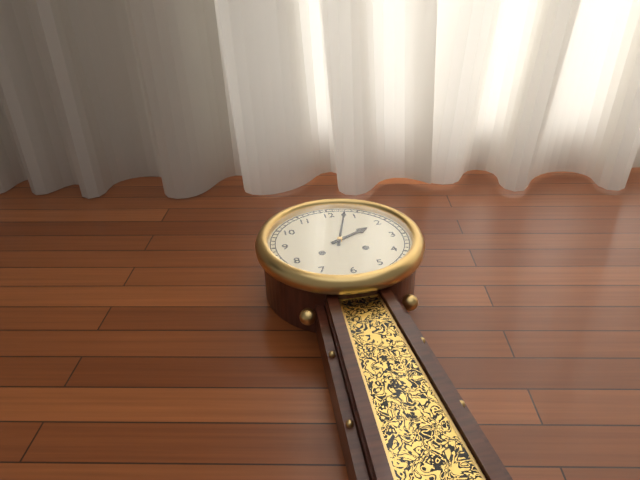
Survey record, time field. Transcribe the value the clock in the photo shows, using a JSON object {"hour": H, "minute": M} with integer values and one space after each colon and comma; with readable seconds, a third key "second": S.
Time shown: {"hour": 2, "minute": 3}
